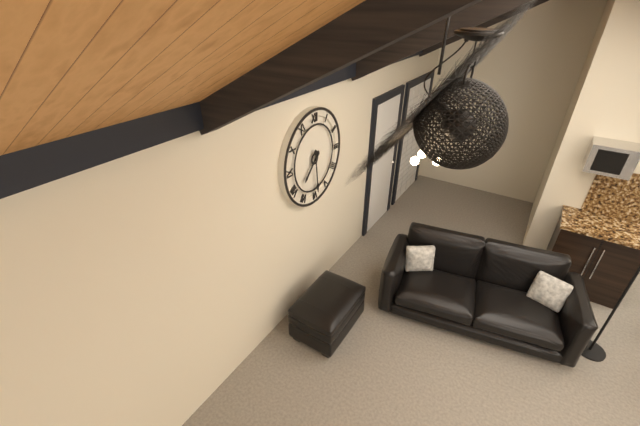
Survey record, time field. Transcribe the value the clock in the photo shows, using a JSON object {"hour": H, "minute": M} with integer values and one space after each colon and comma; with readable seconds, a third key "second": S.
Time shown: {"hour": 7, "minute": 29}
